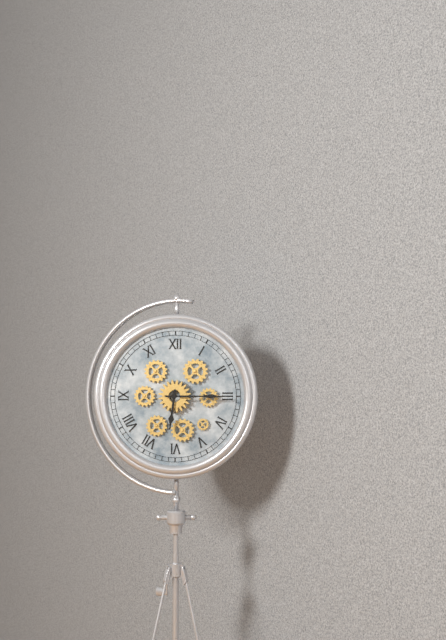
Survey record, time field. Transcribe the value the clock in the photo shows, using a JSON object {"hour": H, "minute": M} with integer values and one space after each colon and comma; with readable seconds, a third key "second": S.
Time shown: {"hour": 6, "minute": 15}
